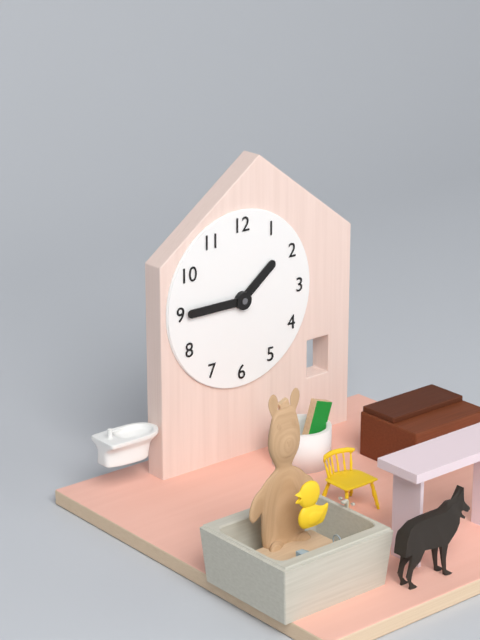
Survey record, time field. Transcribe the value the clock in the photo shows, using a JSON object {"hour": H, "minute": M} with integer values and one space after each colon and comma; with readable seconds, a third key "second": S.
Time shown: {"hour": 1, "minute": 45}
